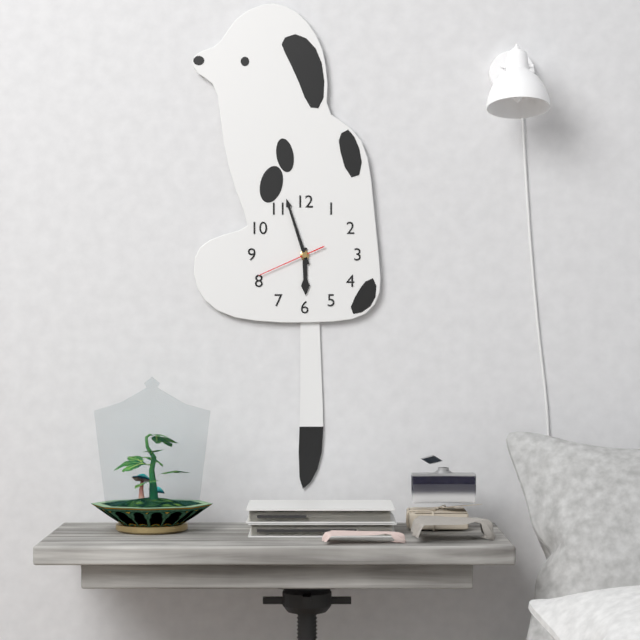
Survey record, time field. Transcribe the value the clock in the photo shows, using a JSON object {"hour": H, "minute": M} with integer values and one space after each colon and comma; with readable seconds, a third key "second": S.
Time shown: {"hour": 5, "minute": 57, "second": 41}
